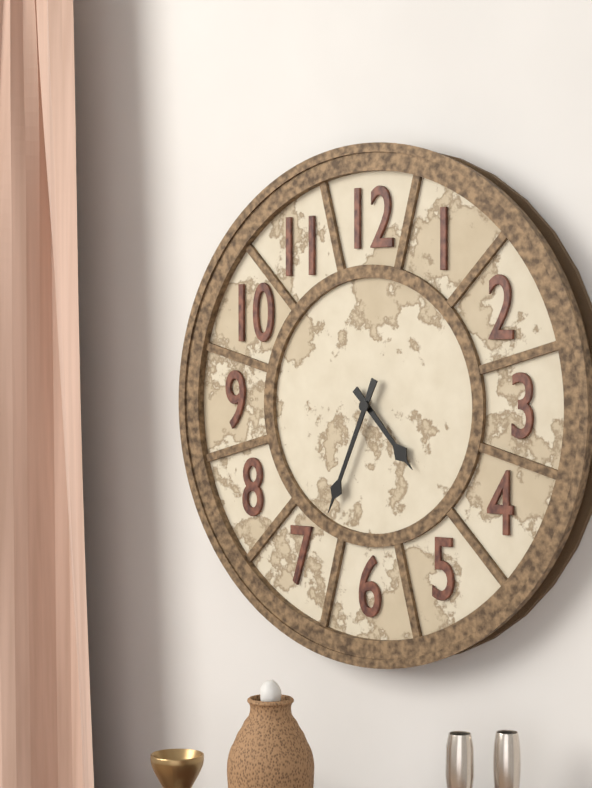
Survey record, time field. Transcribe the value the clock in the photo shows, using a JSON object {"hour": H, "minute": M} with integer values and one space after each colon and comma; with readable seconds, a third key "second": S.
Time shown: {"hour": 4, "minute": 34}
